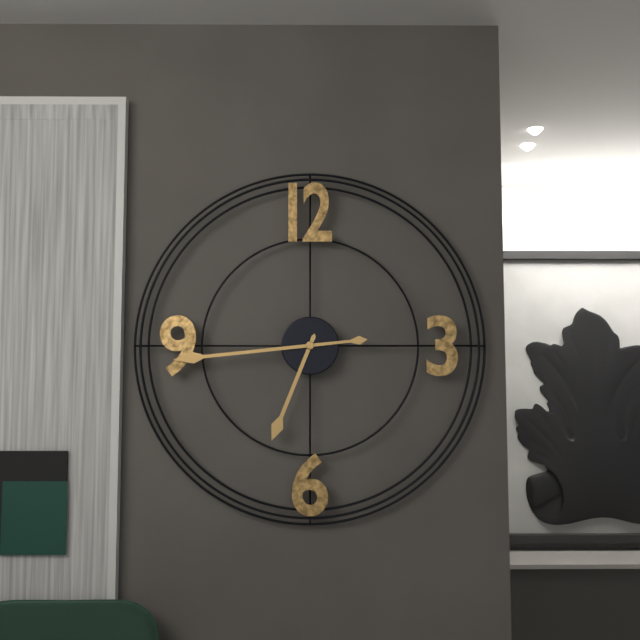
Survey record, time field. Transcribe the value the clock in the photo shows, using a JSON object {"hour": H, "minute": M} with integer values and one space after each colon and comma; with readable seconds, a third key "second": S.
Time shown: {"hour": 6, "minute": 44}
